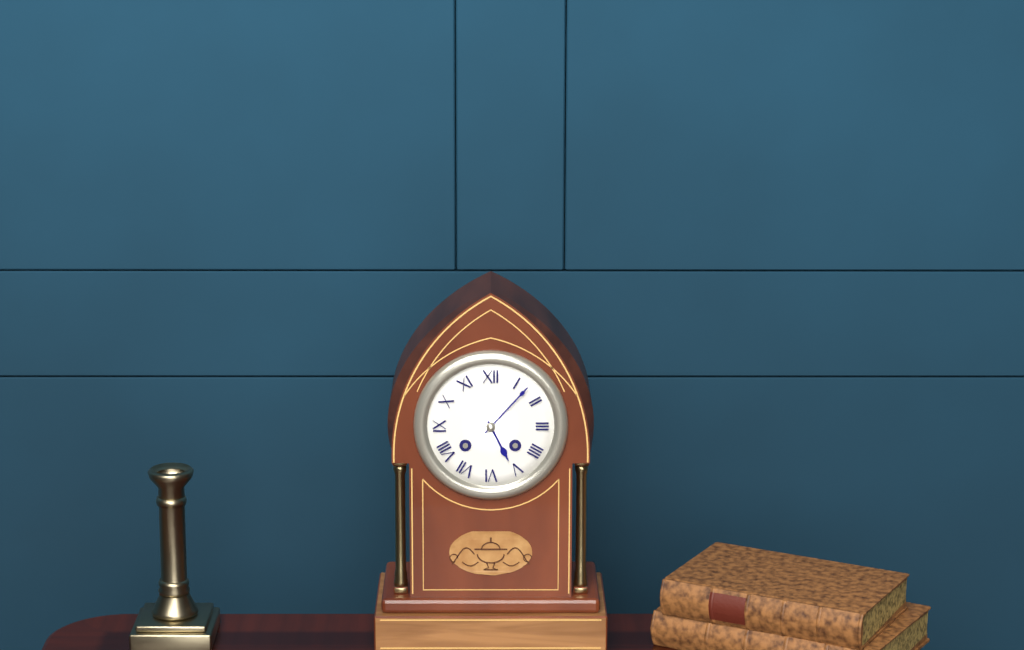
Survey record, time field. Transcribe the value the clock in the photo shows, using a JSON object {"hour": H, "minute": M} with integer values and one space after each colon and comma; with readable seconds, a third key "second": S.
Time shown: {"hour": 5, "minute": 7}
